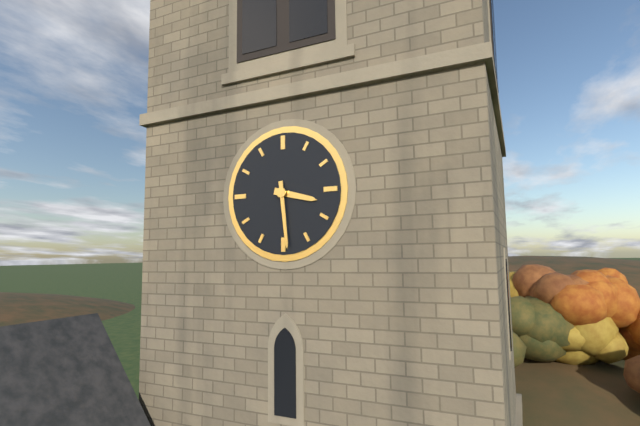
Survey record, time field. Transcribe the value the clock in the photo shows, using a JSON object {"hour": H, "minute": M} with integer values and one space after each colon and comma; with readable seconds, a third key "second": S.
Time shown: {"hour": 3, "minute": 29}
